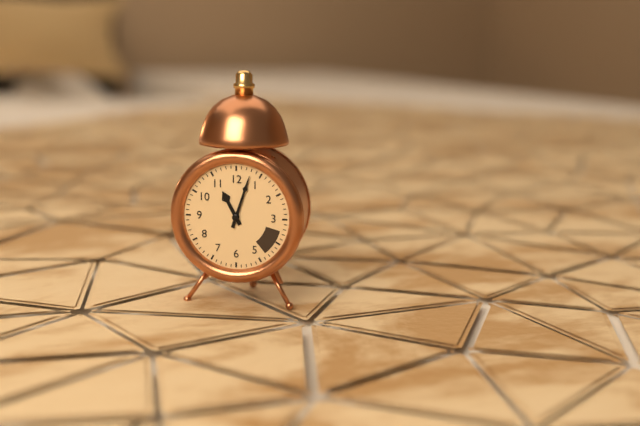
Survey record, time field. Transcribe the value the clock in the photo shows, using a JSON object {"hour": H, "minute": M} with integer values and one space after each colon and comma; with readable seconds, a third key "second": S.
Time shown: {"hour": 11, "minute": 3}
